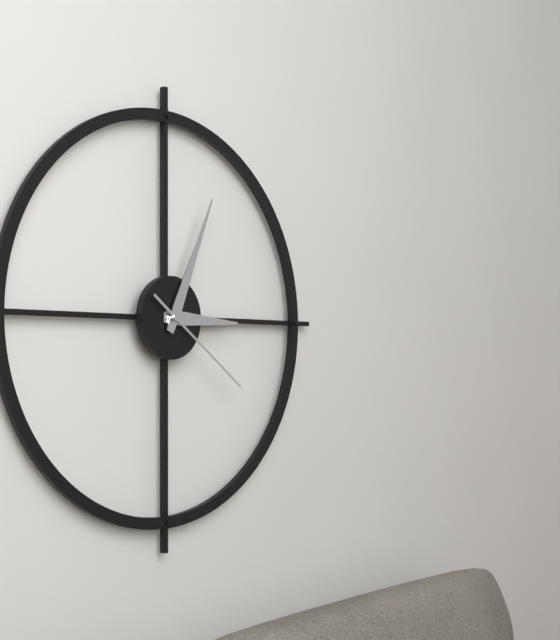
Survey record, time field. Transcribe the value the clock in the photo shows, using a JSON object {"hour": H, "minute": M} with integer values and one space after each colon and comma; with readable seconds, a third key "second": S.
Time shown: {"hour": 3, "minute": 4, "second": 21}
